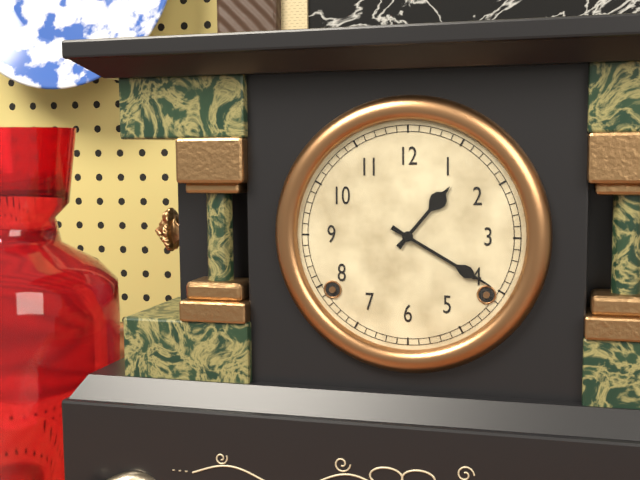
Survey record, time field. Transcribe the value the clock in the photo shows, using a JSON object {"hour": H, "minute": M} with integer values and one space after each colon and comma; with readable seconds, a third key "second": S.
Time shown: {"hour": 1, "minute": 20}
